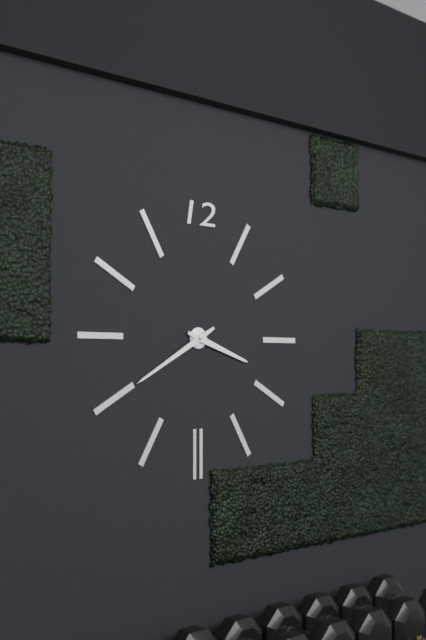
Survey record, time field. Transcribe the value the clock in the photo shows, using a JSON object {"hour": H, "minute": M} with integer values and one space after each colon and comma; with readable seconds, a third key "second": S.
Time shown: {"hour": 3, "minute": 40}
